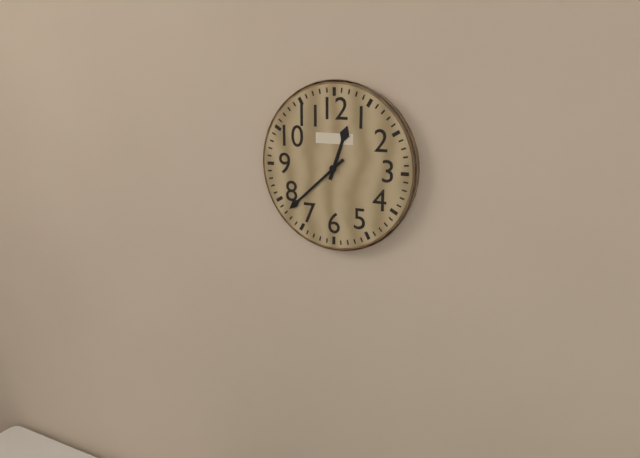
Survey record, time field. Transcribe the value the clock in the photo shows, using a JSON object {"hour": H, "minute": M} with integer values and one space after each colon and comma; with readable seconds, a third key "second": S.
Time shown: {"hour": 12, "minute": 38}
